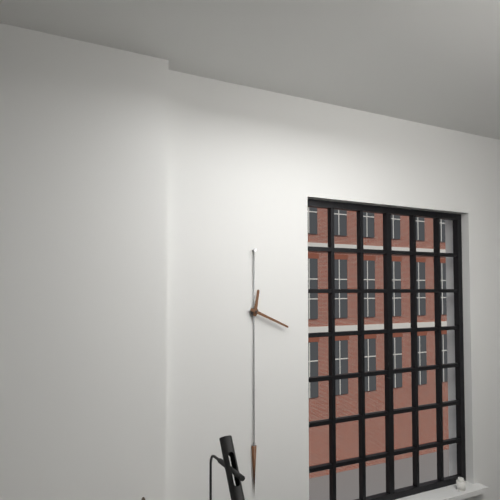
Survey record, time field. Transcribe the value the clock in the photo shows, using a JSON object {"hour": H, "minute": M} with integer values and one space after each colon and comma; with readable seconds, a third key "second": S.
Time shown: {"hour": 12, "minute": 19}
